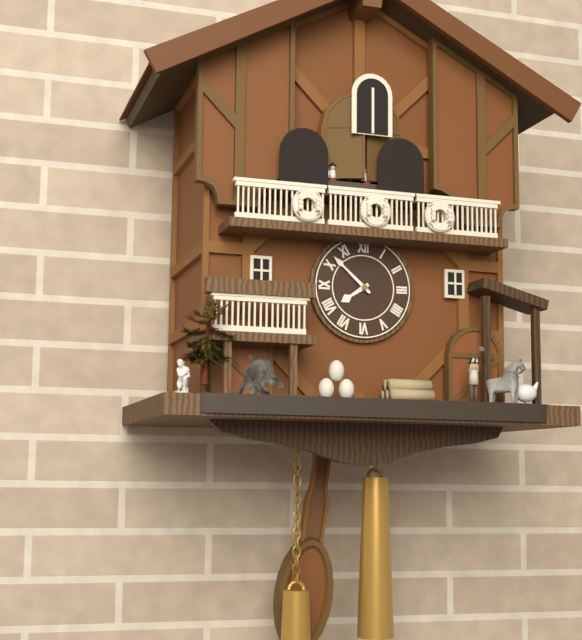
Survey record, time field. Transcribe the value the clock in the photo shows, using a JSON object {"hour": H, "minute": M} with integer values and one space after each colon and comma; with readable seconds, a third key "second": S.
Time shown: {"hour": 7, "minute": 52}
